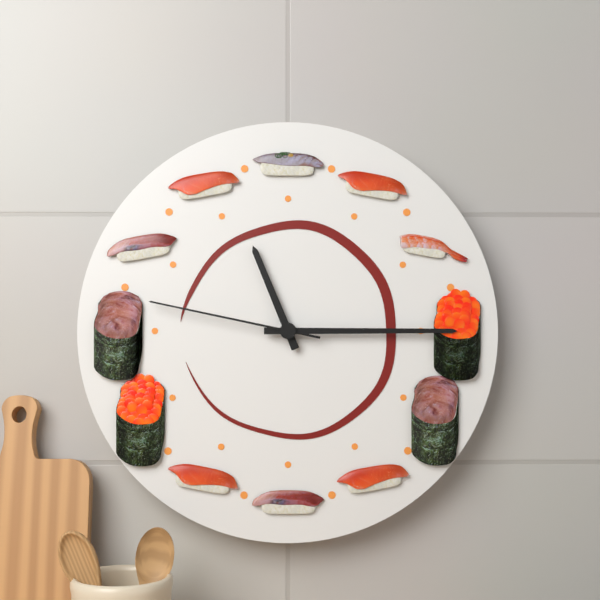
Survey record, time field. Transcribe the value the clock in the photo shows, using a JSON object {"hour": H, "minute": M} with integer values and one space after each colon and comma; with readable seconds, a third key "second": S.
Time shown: {"hour": 11, "minute": 15, "second": 47}
